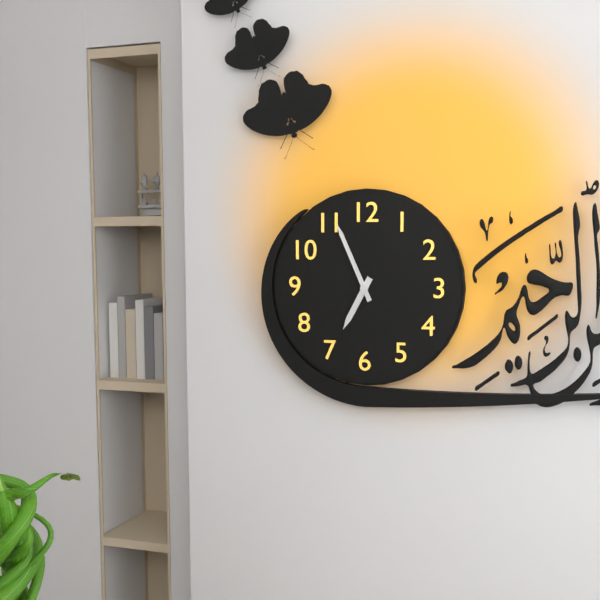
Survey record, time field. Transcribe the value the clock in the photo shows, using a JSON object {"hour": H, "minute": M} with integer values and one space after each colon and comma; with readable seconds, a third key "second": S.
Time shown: {"hour": 6, "minute": 56}
